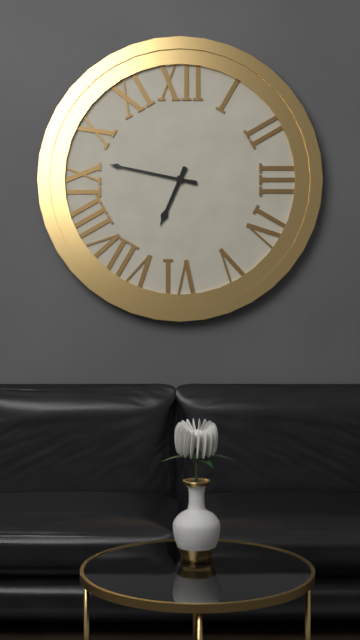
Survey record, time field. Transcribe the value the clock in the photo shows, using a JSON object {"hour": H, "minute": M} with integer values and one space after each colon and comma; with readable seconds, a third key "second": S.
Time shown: {"hour": 6, "minute": 47}
